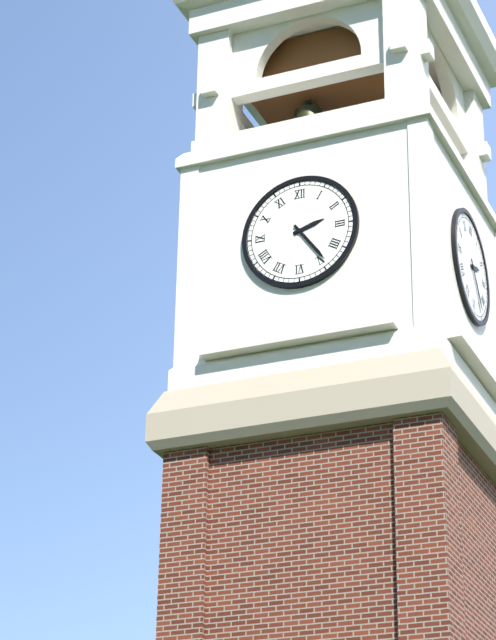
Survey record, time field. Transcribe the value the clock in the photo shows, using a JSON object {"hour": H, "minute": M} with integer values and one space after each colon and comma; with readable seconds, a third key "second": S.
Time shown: {"hour": 2, "minute": 24}
